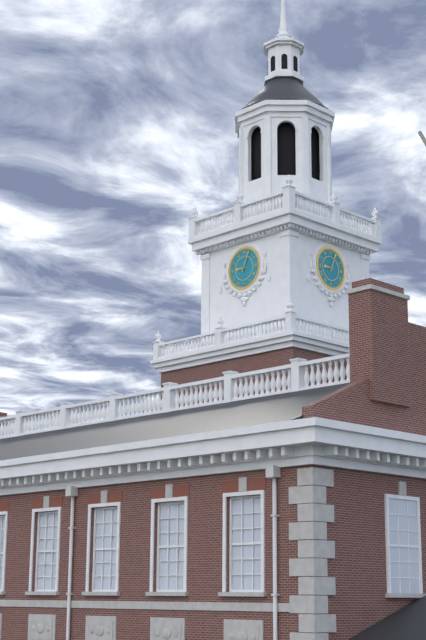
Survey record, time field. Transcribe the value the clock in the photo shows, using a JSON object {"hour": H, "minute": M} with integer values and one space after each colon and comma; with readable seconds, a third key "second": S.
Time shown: {"hour": 9, "minute": 4}
